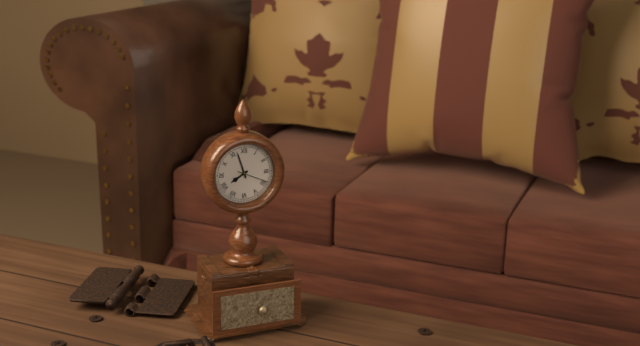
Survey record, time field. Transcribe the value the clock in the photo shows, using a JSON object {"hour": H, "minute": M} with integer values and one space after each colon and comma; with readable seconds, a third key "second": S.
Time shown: {"hour": 7, "minute": 57}
